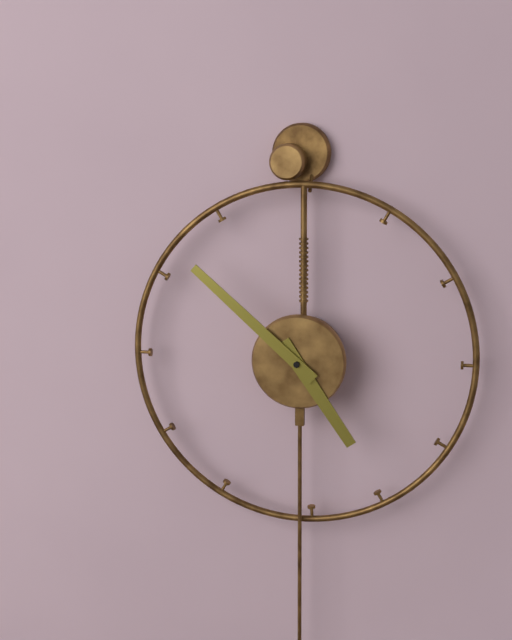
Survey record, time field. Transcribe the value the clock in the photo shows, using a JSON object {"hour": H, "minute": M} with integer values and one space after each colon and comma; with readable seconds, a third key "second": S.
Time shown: {"hour": 4, "minute": 52}
